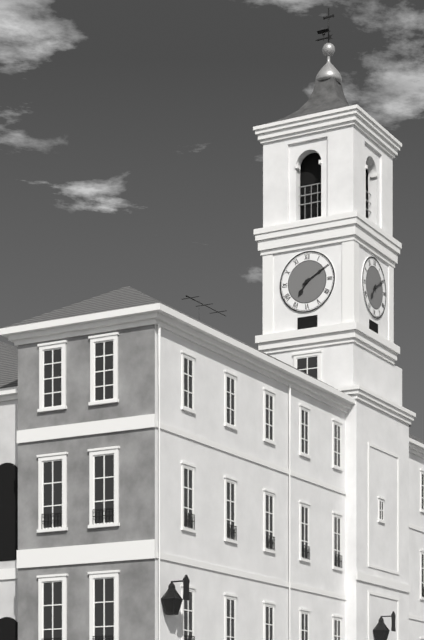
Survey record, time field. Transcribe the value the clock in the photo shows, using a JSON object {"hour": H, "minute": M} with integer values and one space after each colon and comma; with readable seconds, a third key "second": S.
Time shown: {"hour": 7, "minute": 10}
